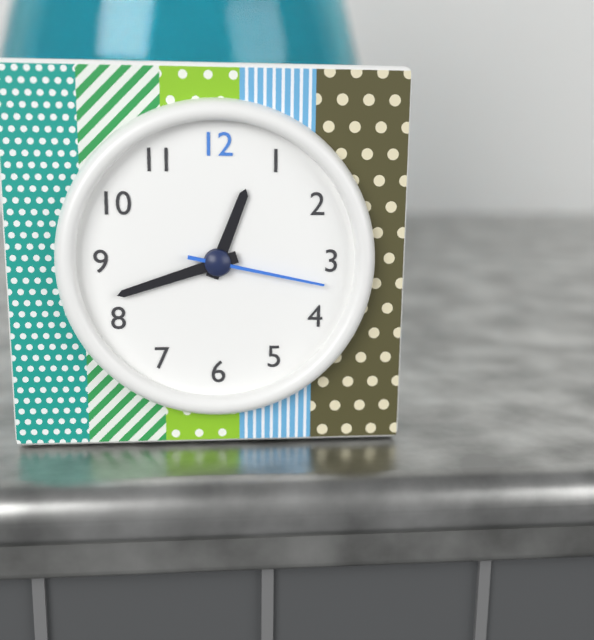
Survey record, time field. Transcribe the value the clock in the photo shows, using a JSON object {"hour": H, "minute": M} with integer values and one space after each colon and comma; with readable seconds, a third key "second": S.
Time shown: {"hour": 12, "minute": 42, "second": 17}
